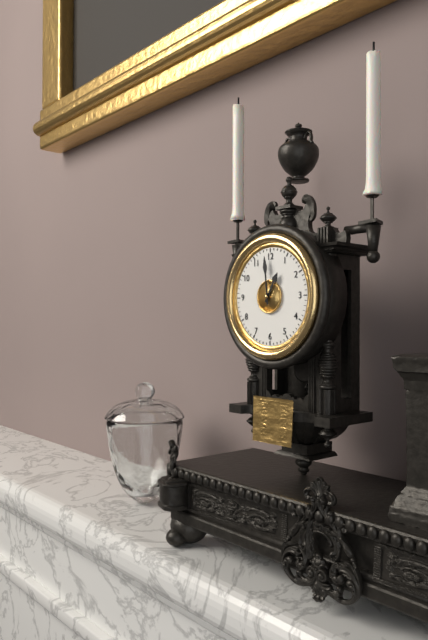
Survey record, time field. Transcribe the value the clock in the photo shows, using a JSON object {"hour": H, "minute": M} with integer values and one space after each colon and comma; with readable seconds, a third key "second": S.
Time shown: {"hour": 12, "minute": 59}
